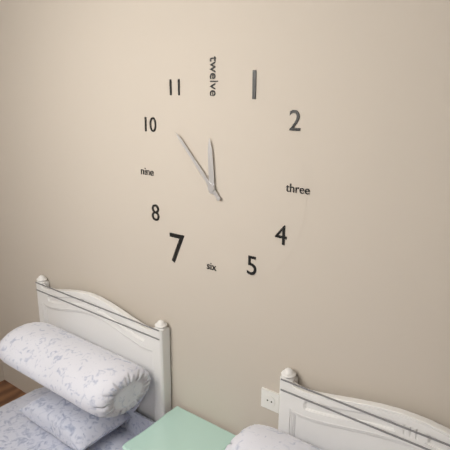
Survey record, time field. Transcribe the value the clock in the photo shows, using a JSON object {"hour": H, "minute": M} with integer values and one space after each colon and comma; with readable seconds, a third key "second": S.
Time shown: {"hour": 11, "minute": 53}
